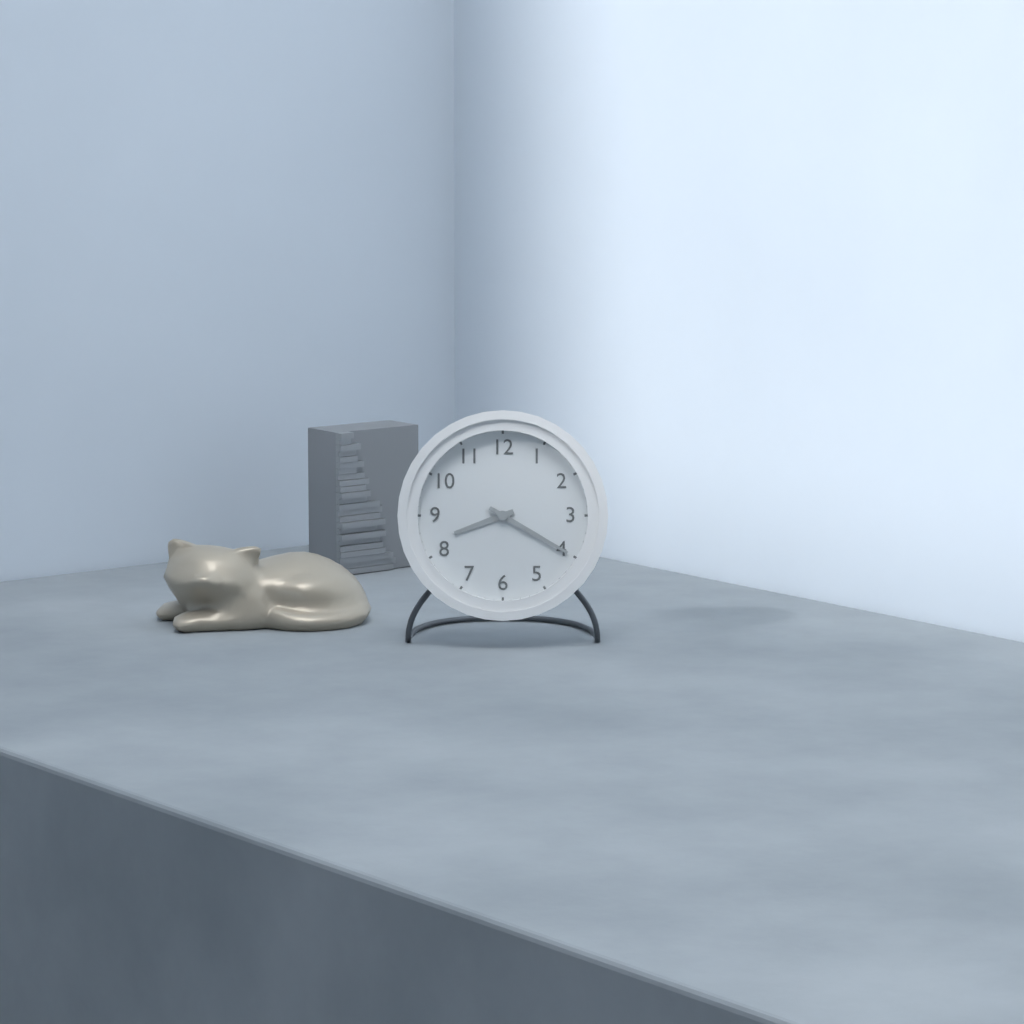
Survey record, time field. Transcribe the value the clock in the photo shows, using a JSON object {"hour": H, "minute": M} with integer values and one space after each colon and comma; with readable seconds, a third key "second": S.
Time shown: {"hour": 8, "minute": 20}
